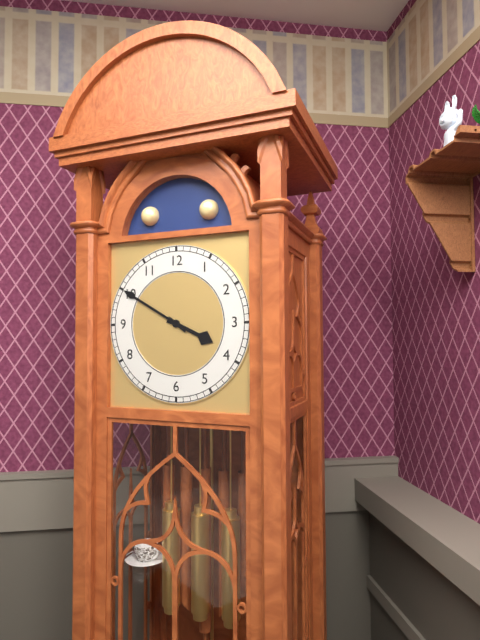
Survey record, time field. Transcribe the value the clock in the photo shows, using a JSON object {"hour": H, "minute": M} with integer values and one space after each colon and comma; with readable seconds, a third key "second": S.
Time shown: {"hour": 3, "minute": 50}
